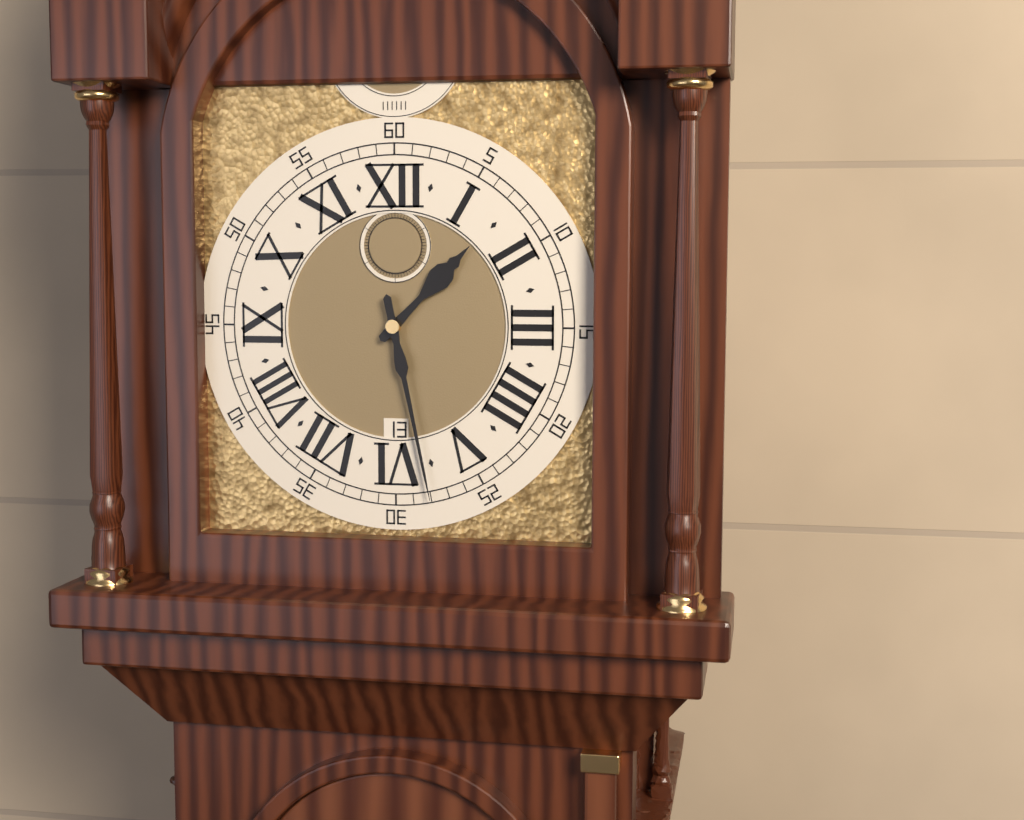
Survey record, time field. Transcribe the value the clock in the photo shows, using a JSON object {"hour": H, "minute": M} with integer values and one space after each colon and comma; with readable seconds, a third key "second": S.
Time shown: {"hour": 1, "minute": 28}
